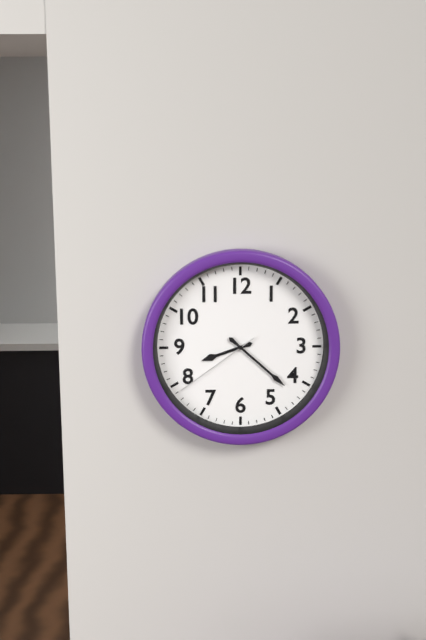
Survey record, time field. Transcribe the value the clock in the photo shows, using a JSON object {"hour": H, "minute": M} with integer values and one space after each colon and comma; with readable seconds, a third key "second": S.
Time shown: {"hour": 8, "minute": 22, "second": 39}
